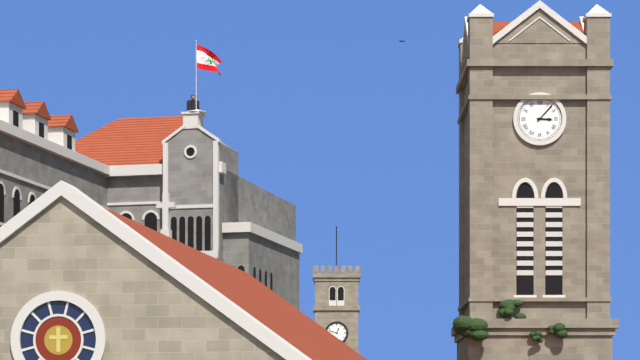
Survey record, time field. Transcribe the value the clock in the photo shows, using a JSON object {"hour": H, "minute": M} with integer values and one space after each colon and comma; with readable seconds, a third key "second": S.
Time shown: {"hour": 3, "minute": 7}
